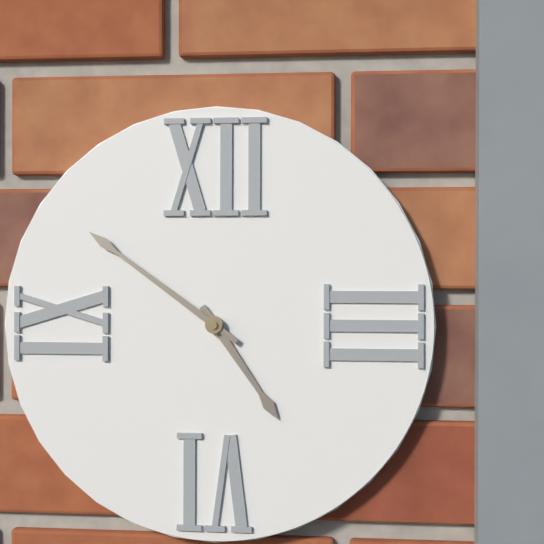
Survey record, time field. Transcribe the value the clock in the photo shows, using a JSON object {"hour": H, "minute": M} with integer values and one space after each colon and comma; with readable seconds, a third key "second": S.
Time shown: {"hour": 4, "minute": 51}
